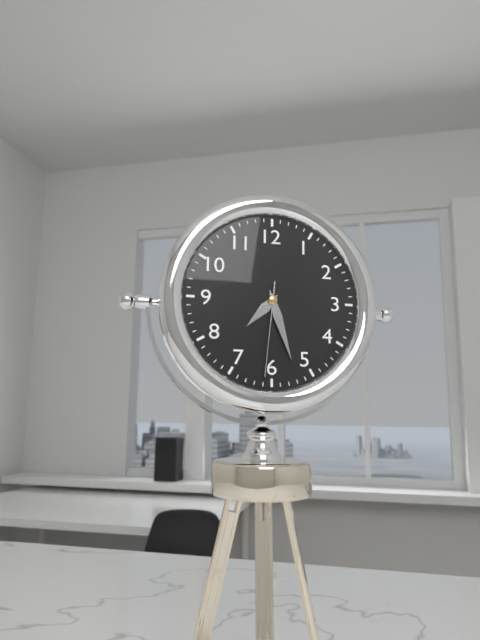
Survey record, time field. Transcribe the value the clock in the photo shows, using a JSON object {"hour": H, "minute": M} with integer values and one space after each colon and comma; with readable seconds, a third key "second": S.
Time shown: {"hour": 7, "minute": 27, "second": 31}
